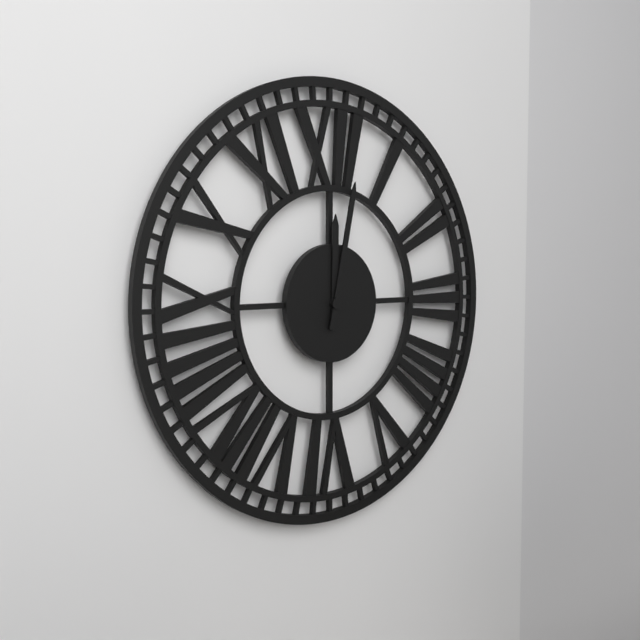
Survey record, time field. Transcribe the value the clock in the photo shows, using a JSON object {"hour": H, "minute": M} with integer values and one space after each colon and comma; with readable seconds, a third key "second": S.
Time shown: {"hour": 12, "minute": 2}
